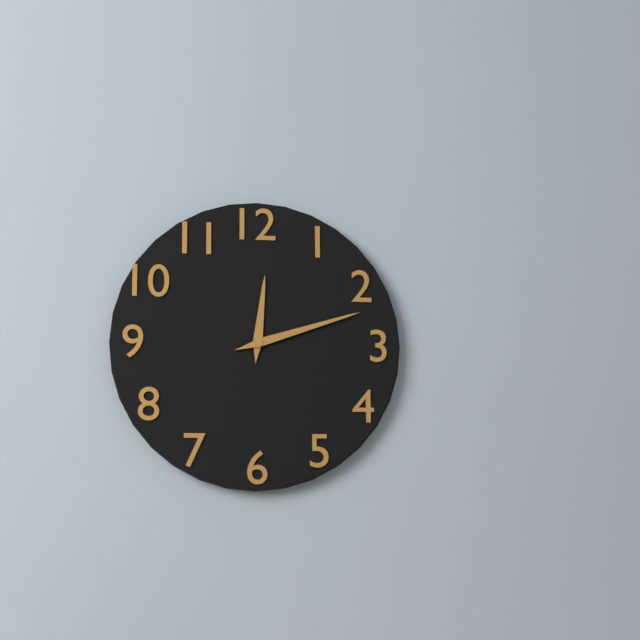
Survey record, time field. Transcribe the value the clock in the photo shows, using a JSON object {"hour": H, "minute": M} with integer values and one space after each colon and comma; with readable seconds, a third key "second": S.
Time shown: {"hour": 12, "minute": 12}
